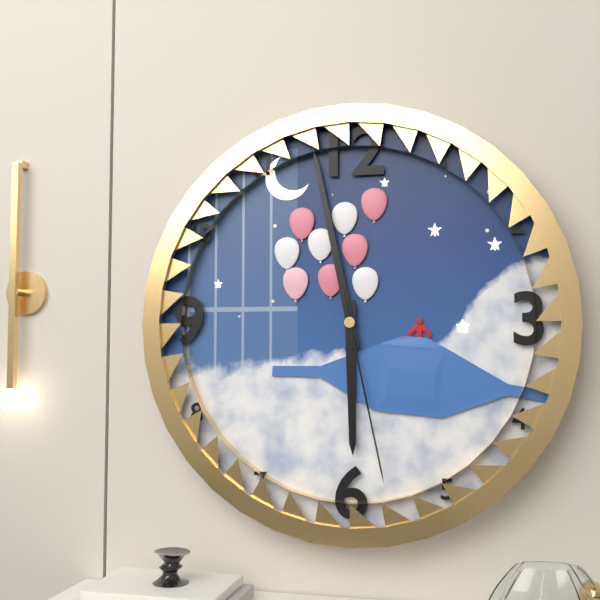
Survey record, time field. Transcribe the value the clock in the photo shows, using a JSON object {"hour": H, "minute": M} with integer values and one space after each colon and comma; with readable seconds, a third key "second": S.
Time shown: {"hour": 5, "minute": 58, "second": 28}
